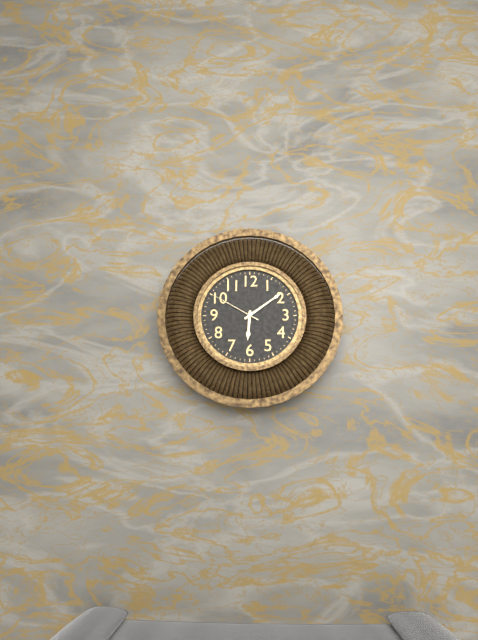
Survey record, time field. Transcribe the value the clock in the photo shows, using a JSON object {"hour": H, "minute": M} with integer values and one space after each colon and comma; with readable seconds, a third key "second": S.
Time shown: {"hour": 6, "minute": 9, "second": 50}
